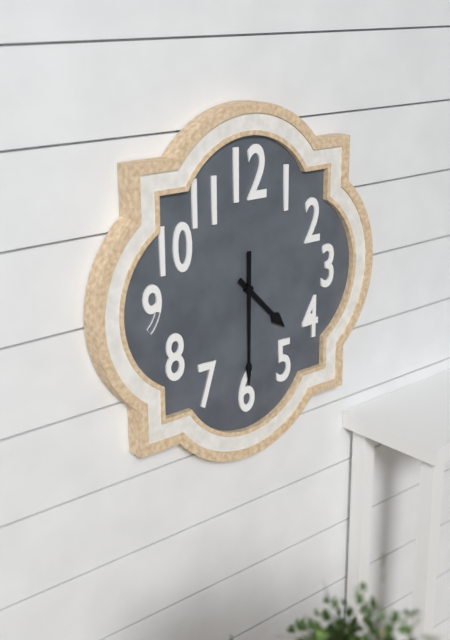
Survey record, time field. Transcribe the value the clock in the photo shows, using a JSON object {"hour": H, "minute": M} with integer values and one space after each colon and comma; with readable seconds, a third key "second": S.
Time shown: {"hour": 4, "minute": 30}
